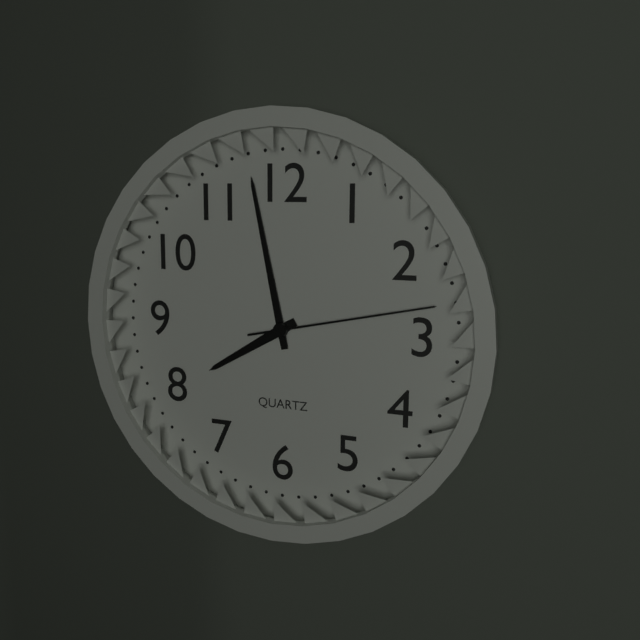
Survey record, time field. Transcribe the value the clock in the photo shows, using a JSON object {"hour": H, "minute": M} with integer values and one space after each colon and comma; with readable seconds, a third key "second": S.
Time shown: {"hour": 7, "minute": 58, "second": 13}
